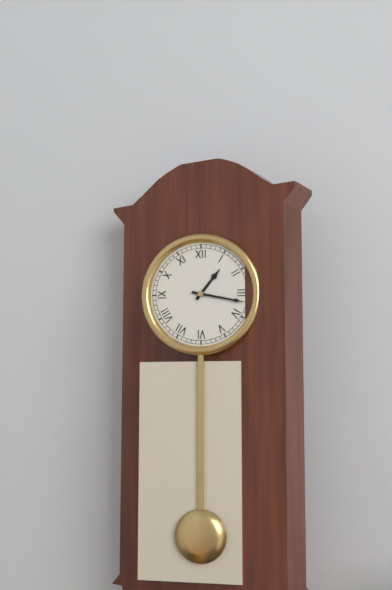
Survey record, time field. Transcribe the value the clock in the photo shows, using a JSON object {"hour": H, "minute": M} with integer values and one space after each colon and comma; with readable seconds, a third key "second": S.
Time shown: {"hour": 1, "minute": 17}
